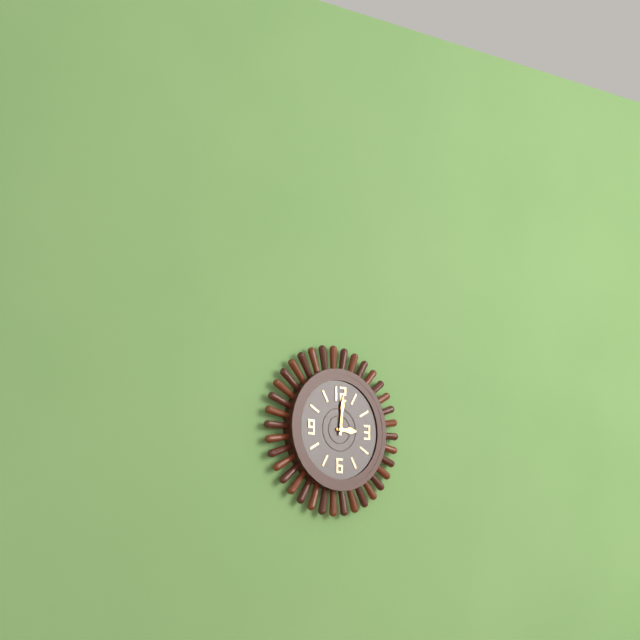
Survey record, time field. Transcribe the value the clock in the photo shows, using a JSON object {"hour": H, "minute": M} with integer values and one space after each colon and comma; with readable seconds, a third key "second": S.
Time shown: {"hour": 3, "minute": 1}
